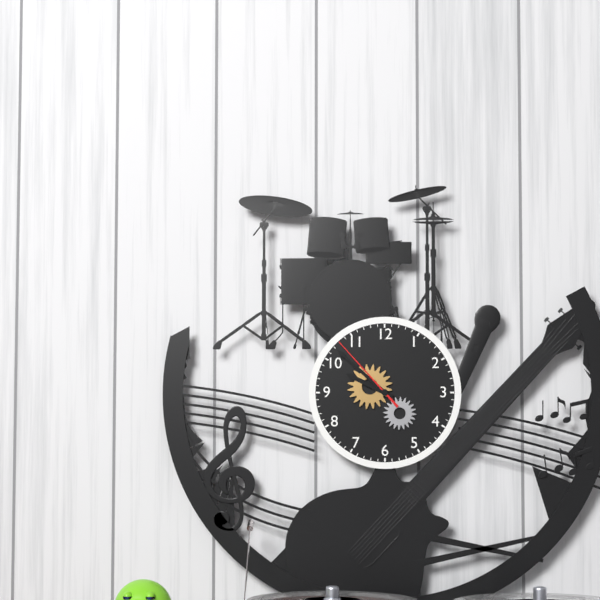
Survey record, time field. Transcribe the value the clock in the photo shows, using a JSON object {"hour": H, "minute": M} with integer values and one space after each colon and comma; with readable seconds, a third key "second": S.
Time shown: {"hour": 9, "minute": 52, "second": 53}
